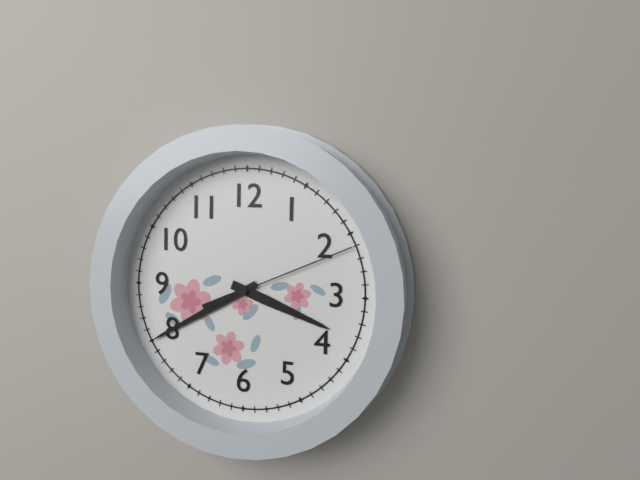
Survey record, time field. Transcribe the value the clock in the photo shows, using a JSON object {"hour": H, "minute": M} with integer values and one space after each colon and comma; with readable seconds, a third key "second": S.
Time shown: {"hour": 3, "minute": 40, "second": 11}
